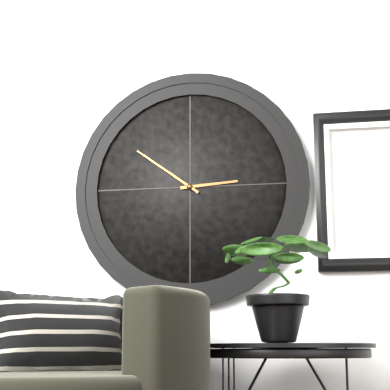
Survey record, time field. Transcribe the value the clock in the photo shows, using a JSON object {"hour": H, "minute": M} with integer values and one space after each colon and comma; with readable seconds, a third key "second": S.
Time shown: {"hour": 2, "minute": 51}
